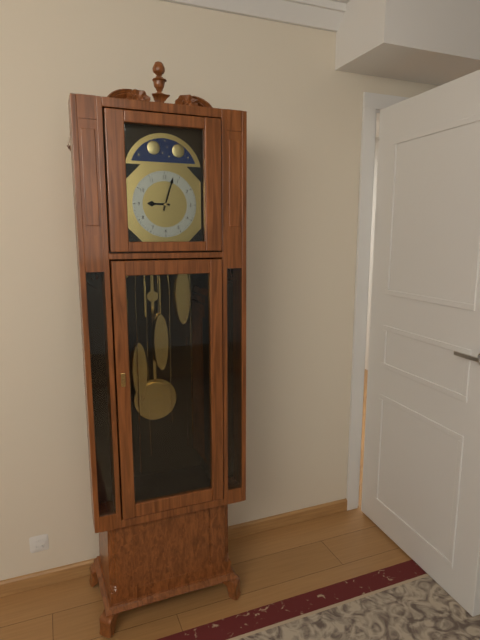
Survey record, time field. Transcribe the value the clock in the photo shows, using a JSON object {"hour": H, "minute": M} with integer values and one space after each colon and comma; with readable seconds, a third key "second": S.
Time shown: {"hour": 9, "minute": 3}
